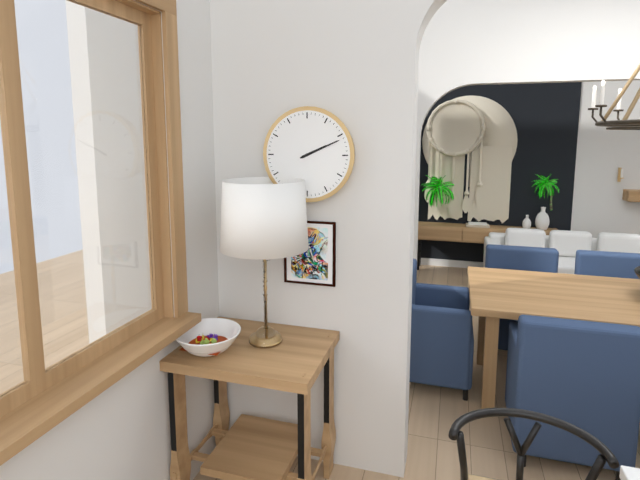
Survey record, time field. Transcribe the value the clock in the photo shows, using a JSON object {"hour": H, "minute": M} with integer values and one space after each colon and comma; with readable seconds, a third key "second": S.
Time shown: {"hour": 2, "minute": 11}
